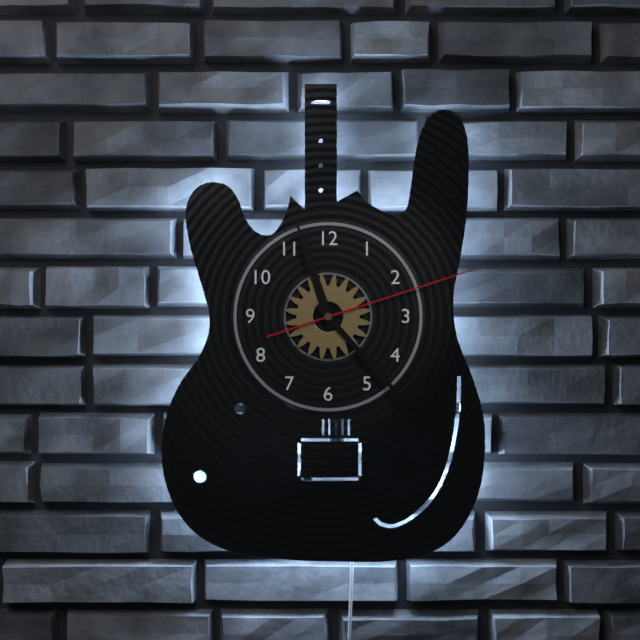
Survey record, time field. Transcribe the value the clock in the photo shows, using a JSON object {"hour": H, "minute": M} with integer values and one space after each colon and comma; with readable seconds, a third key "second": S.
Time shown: {"hour": 11, "minute": 23, "second": 12}
